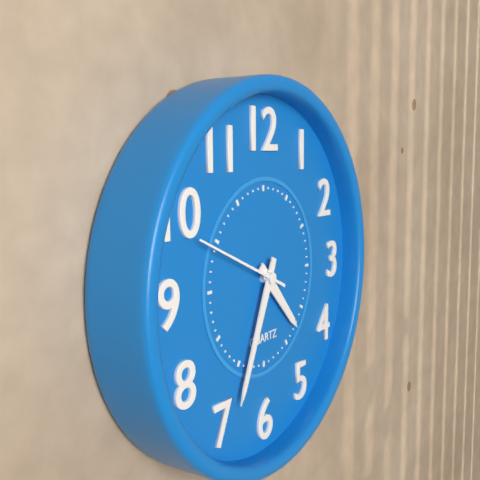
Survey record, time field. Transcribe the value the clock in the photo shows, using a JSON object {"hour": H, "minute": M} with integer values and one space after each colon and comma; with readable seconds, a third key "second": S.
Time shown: {"hour": 4, "minute": 34, "second": 49}
